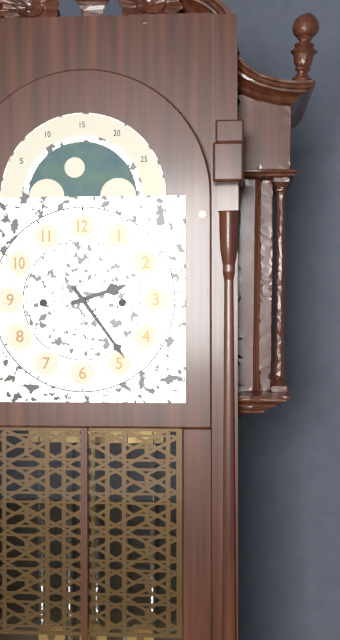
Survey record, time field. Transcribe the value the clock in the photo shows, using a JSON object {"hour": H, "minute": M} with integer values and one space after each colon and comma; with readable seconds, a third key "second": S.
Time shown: {"hour": 2, "minute": 24}
